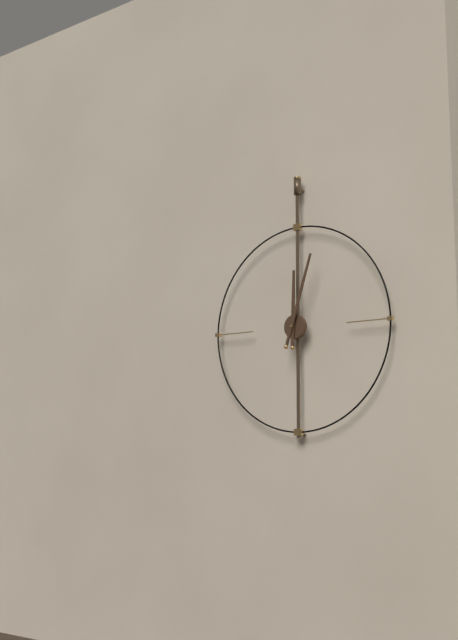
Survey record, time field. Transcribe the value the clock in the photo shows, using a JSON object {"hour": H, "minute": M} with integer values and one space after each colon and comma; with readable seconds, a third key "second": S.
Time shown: {"hour": 12, "minute": 3}
